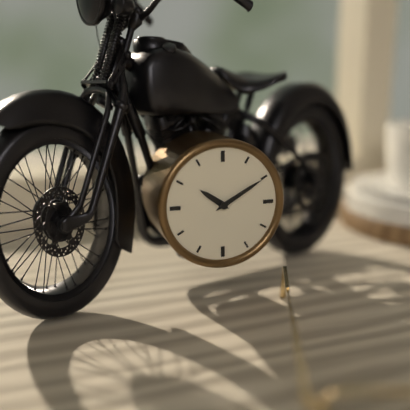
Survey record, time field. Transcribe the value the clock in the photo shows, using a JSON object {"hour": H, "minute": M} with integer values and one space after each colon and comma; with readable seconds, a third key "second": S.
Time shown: {"hour": 10, "minute": 10}
